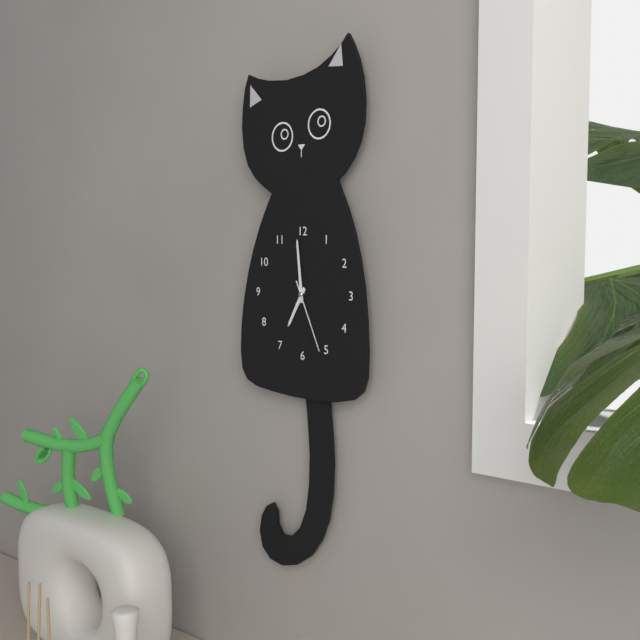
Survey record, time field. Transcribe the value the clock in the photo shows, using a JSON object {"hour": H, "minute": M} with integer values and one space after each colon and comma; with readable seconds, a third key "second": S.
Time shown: {"hour": 6, "minute": 59, "second": 26}
